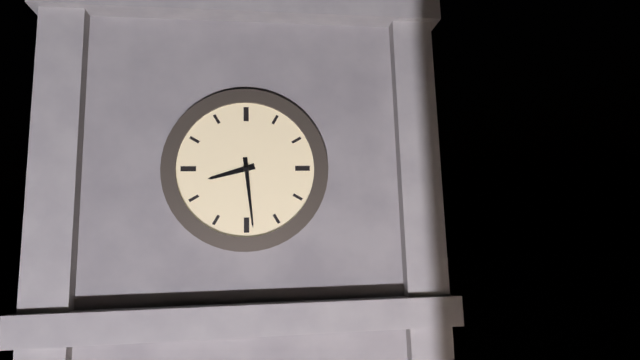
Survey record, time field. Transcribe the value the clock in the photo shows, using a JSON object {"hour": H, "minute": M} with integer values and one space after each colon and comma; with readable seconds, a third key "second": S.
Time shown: {"hour": 8, "minute": 29}
